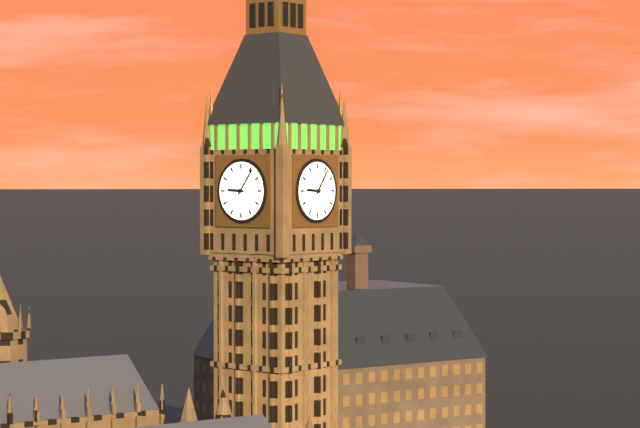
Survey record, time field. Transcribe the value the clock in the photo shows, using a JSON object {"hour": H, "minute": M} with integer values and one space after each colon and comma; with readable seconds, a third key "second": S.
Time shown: {"hour": 9, "minute": 6}
